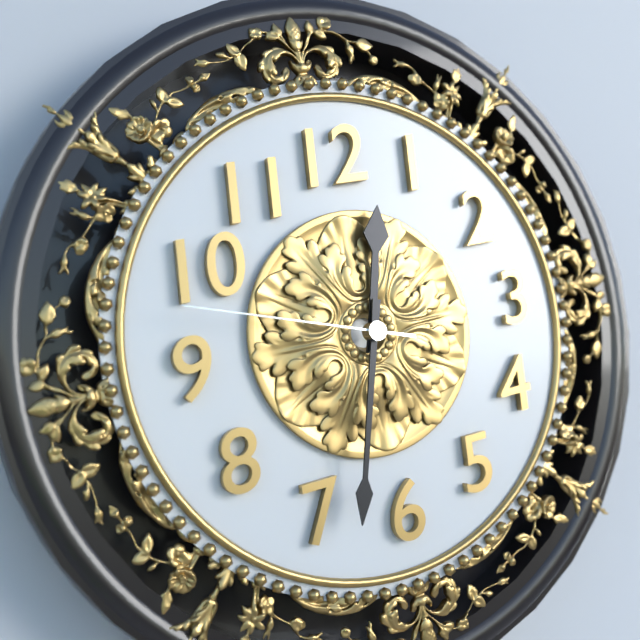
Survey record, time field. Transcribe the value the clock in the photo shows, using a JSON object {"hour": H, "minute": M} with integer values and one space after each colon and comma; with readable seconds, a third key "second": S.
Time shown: {"hour": 12, "minute": 33, "second": 48}
